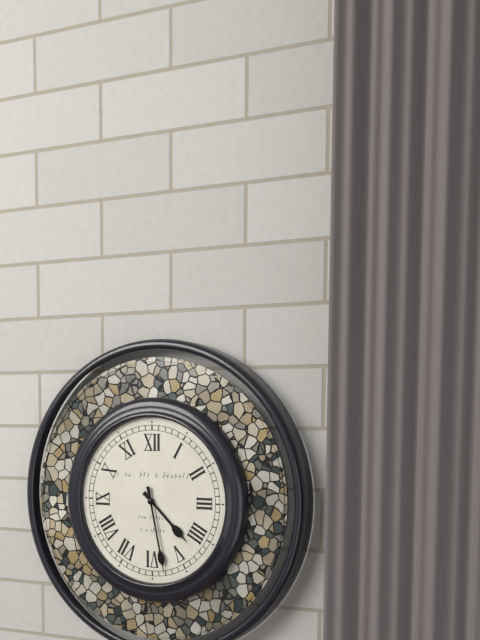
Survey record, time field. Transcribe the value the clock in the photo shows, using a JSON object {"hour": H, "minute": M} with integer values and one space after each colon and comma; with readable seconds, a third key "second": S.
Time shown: {"hour": 4, "minute": 28}
